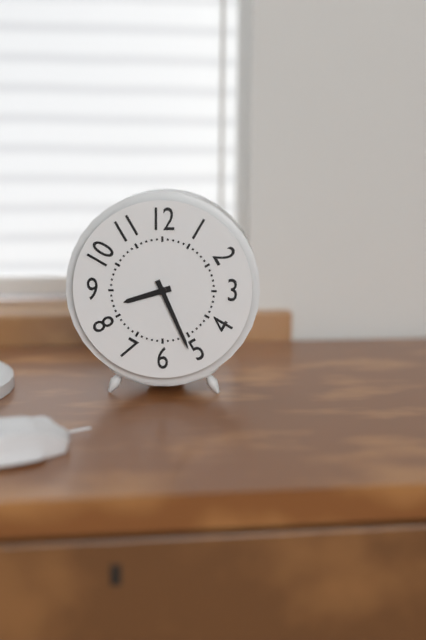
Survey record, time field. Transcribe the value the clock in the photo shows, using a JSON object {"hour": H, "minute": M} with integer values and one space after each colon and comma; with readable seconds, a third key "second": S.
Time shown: {"hour": 8, "minute": 26}
